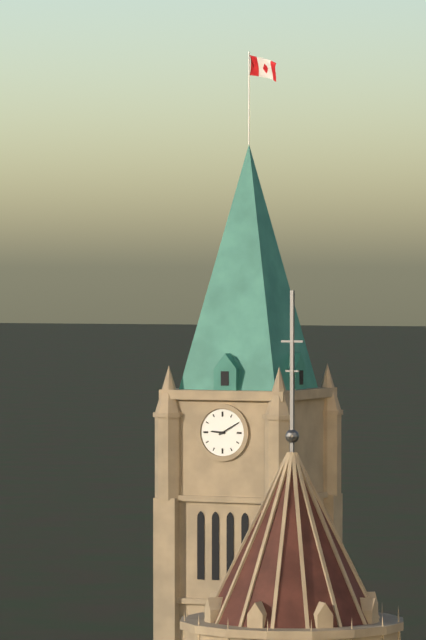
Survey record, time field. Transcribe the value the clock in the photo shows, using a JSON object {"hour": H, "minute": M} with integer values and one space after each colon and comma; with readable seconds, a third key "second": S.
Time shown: {"hour": 9, "minute": 10}
